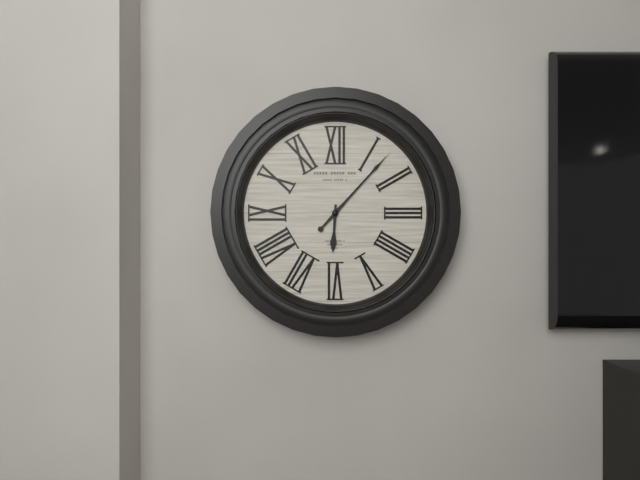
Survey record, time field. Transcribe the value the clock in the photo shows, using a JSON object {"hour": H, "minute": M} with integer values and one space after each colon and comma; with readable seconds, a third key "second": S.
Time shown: {"hour": 6, "minute": 7}
